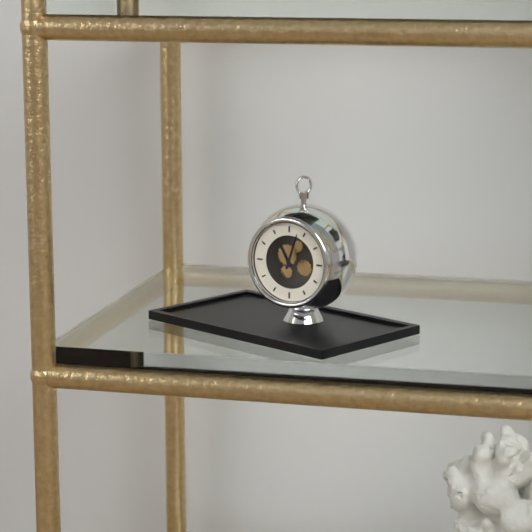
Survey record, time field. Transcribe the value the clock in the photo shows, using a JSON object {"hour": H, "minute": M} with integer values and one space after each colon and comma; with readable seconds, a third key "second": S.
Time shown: {"hour": 11, "minute": 3}
